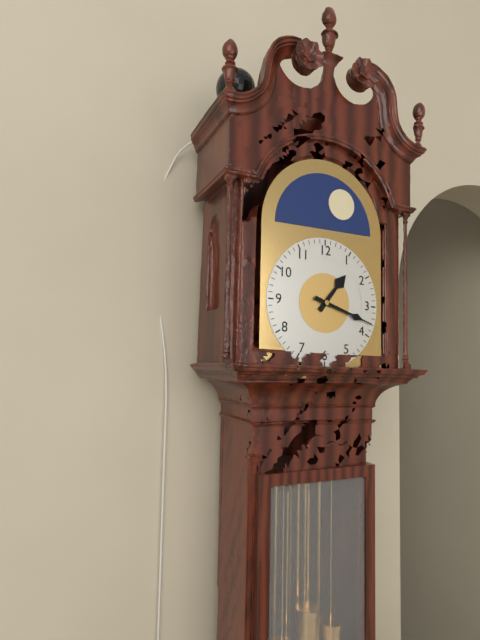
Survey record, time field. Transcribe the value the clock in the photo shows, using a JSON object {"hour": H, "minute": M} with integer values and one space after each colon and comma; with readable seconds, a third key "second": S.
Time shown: {"hour": 1, "minute": 18}
